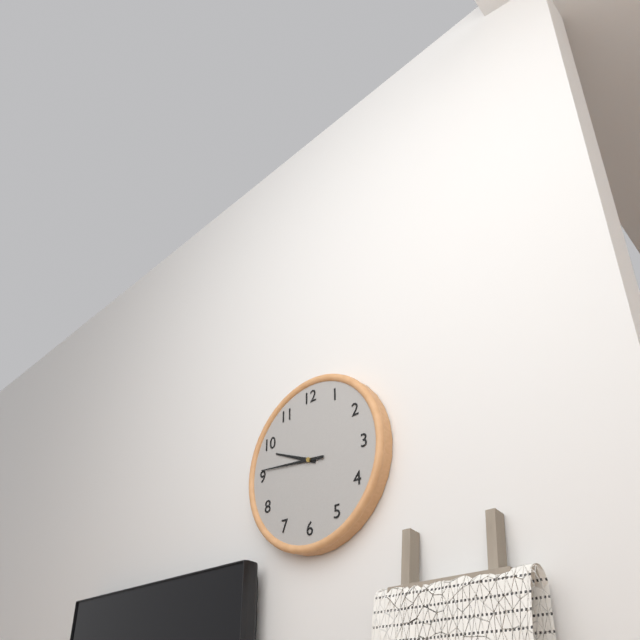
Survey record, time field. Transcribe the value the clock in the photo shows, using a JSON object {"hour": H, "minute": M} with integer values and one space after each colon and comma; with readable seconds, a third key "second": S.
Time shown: {"hour": 9, "minute": 46}
